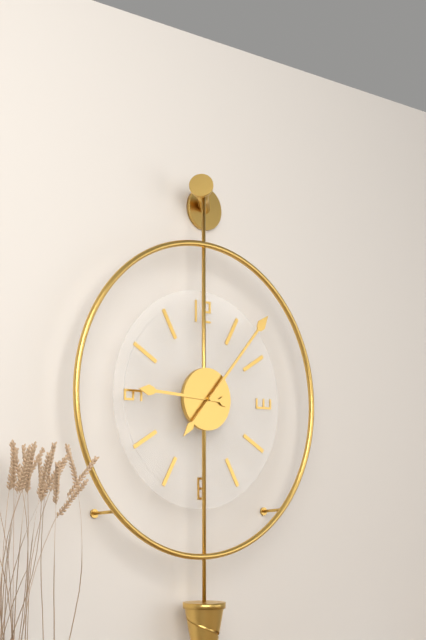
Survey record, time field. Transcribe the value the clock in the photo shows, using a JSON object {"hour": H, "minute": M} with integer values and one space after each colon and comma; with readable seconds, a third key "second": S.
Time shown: {"hour": 9, "minute": 7}
